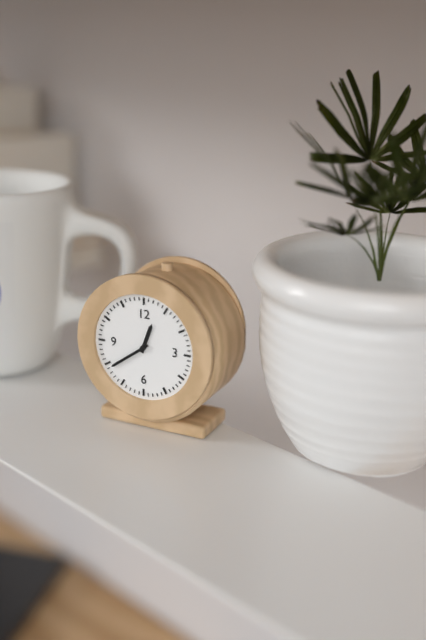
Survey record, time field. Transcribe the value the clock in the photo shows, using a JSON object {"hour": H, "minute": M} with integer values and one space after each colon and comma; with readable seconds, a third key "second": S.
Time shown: {"hour": 12, "minute": 39}
